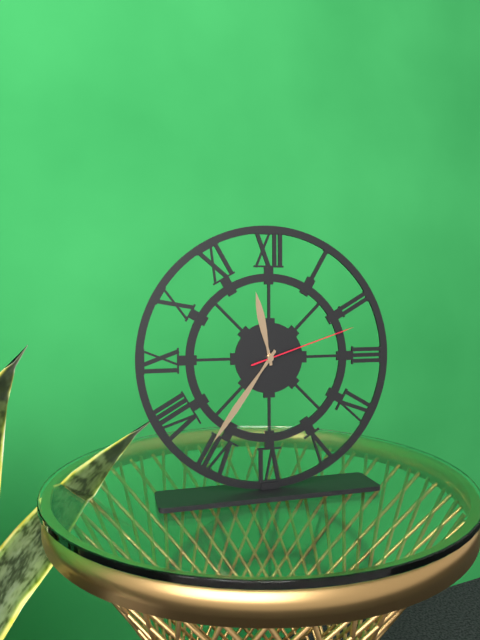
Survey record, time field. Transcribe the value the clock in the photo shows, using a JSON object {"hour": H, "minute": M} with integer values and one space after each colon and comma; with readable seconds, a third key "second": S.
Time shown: {"hour": 11, "minute": 36, "second": 12}
